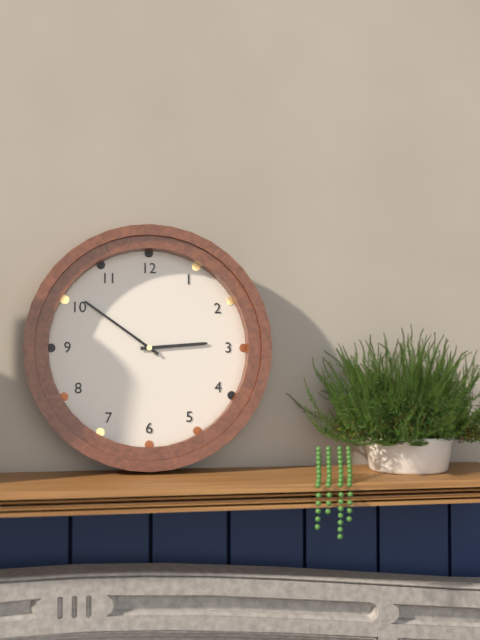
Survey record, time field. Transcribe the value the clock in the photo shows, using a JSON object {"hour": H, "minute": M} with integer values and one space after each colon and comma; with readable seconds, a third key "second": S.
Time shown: {"hour": 2, "minute": 51}
